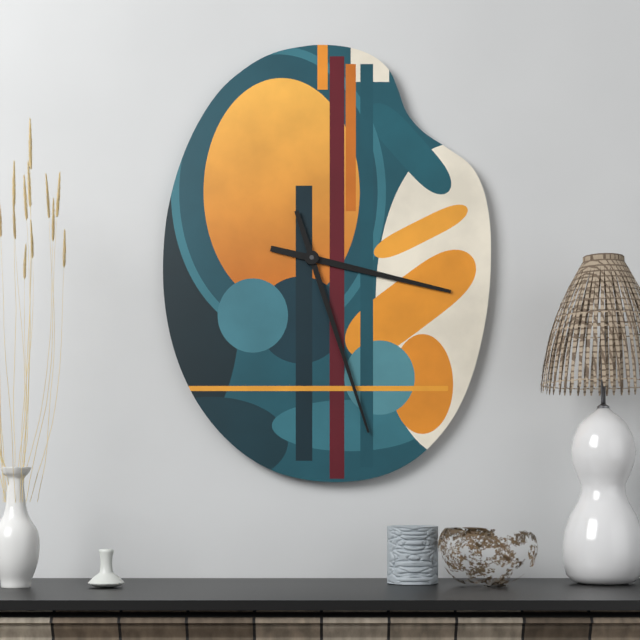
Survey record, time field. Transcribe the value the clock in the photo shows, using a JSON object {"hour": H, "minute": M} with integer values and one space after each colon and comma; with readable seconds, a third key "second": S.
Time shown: {"hour": 3, "minute": 27}
